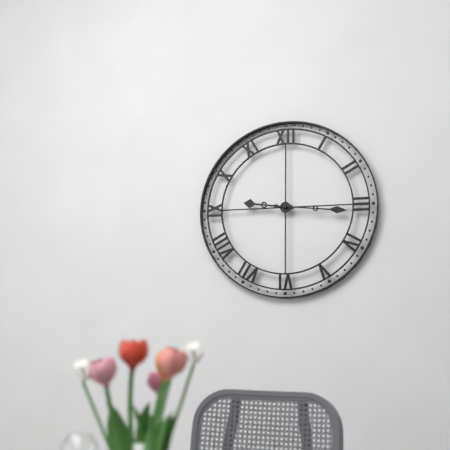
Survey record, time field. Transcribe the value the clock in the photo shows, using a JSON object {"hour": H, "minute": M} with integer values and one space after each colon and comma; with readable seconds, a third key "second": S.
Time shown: {"hour": 9, "minute": 16}
